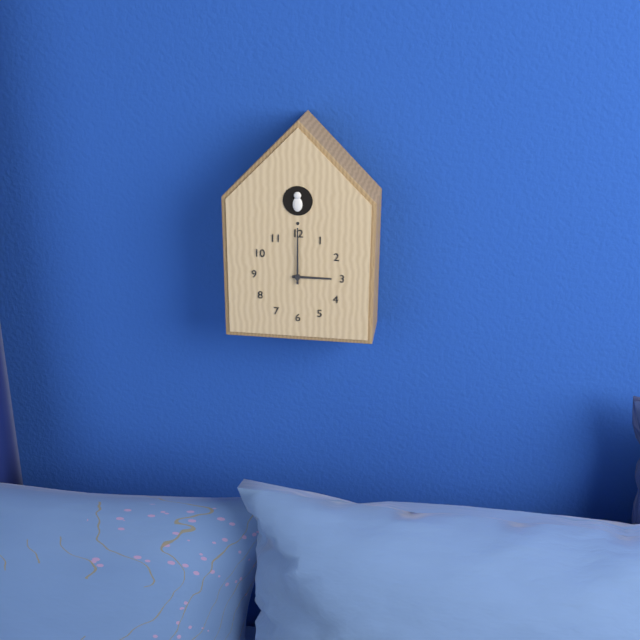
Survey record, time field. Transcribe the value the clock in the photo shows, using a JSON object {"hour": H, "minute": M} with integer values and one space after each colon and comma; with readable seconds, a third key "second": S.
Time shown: {"hour": 3, "minute": 0}
